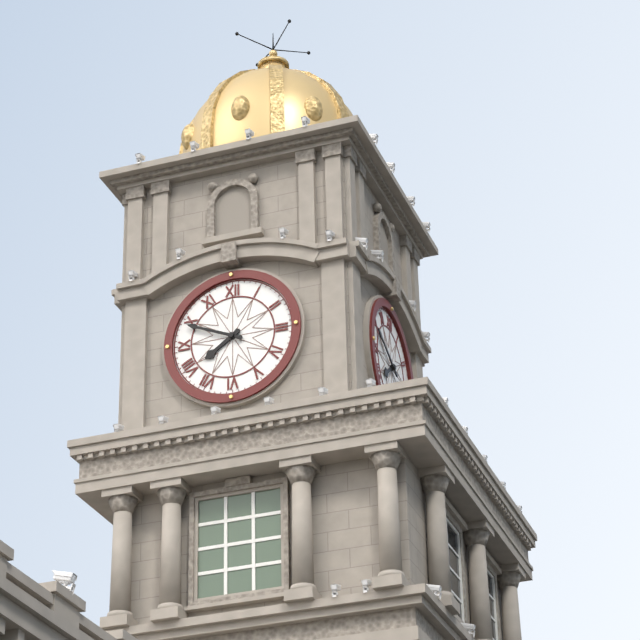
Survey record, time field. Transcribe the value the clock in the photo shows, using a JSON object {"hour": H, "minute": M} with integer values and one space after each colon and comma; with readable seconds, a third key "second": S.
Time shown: {"hour": 7, "minute": 49}
